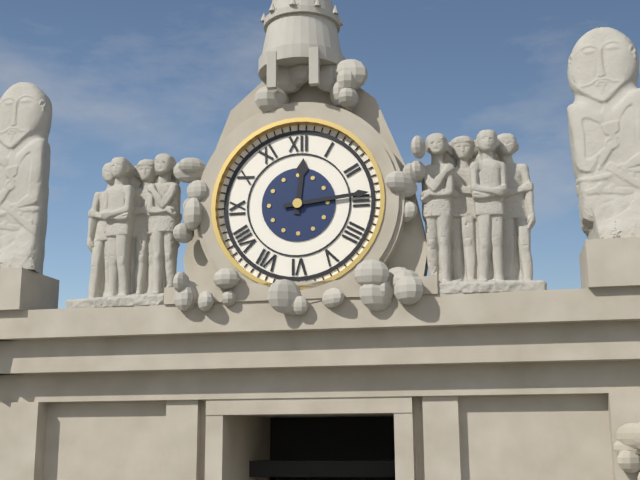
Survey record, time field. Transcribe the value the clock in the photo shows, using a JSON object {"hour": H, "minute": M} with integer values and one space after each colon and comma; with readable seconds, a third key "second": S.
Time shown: {"hour": 12, "minute": 14}
